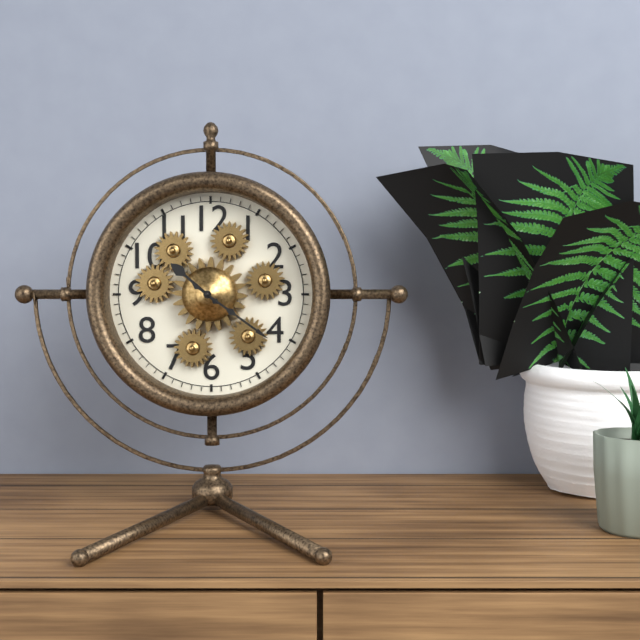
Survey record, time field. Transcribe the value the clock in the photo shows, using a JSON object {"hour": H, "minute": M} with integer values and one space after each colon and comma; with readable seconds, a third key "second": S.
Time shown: {"hour": 10, "minute": 21}
